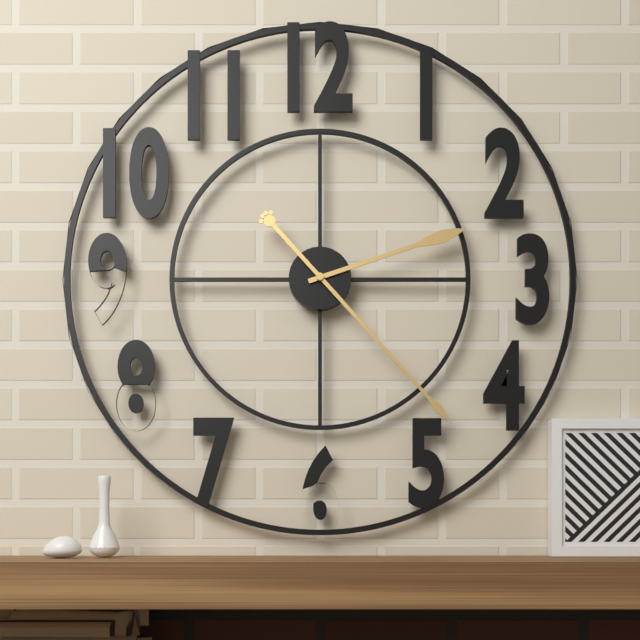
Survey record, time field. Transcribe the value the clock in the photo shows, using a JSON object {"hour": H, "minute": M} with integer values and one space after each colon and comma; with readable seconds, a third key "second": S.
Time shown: {"hour": 2, "minute": 23}
